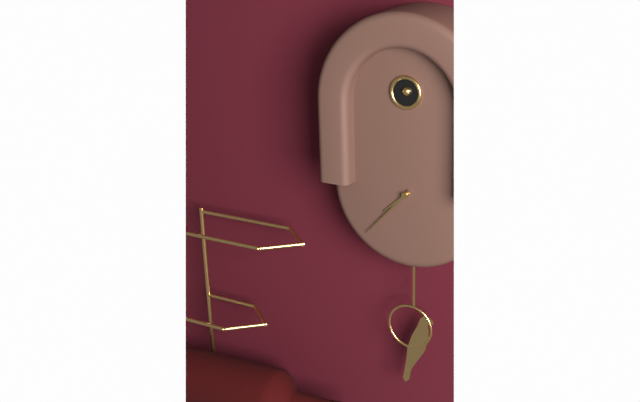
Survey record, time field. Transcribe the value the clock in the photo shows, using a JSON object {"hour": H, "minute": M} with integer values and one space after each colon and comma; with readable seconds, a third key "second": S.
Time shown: {"hour": 7, "minute": 37}
